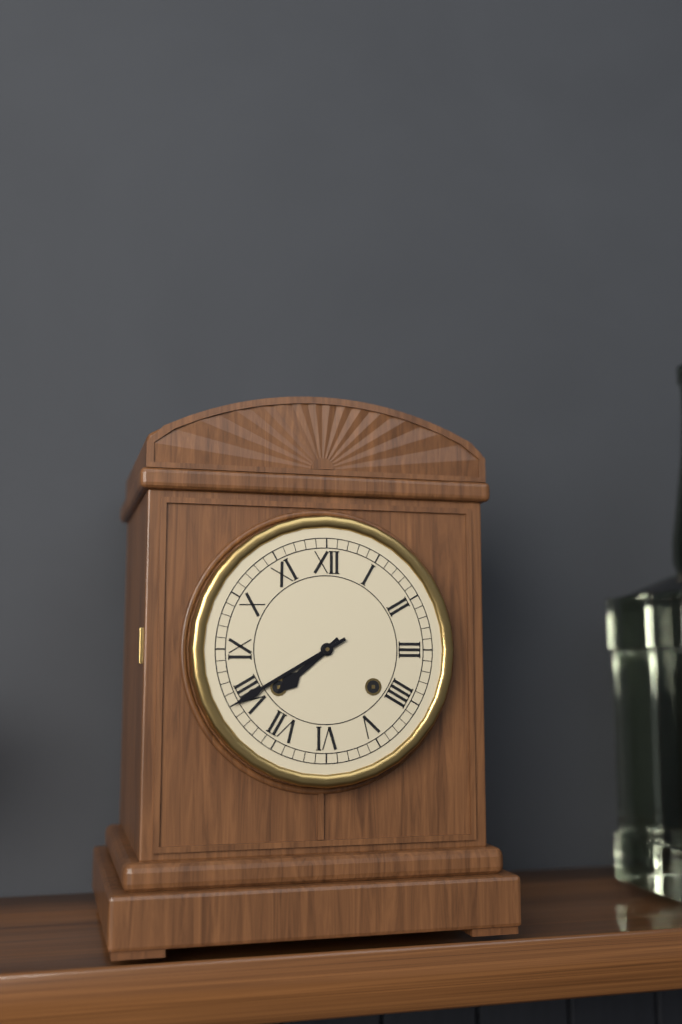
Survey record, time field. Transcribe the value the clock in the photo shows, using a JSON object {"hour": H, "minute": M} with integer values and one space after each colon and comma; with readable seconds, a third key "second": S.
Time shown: {"hour": 7, "minute": 40}
